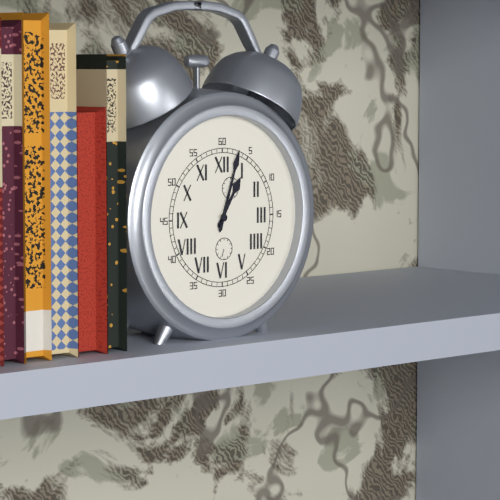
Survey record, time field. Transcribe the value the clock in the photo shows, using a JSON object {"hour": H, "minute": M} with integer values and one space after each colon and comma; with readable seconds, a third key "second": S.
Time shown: {"hour": 1, "minute": 3}
